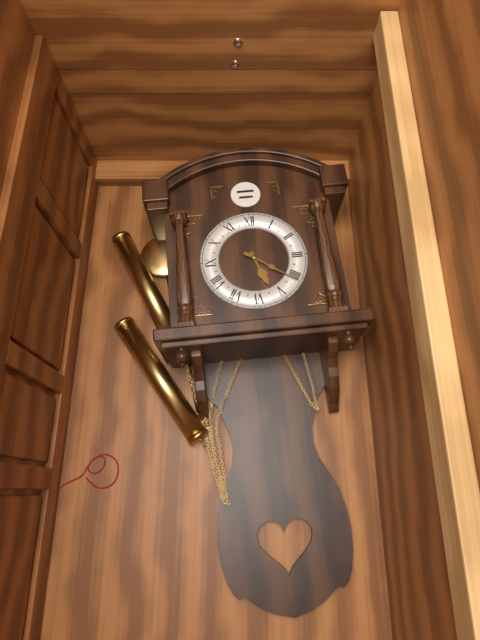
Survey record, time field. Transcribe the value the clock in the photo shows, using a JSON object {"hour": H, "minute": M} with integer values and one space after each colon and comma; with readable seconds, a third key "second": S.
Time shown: {"hour": 5, "minute": 21}
